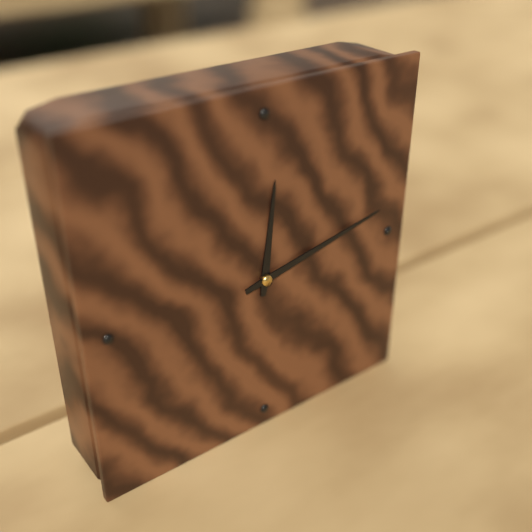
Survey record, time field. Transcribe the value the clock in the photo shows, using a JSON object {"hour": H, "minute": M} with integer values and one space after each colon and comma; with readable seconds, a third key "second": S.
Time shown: {"hour": 12, "minute": 13}
